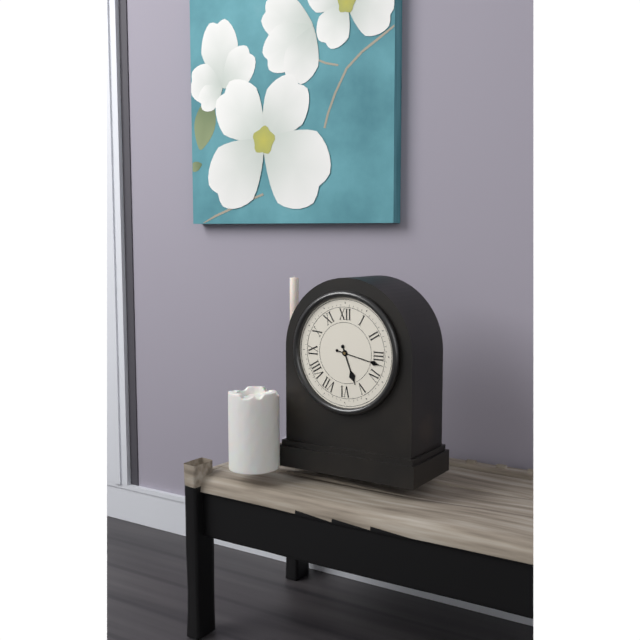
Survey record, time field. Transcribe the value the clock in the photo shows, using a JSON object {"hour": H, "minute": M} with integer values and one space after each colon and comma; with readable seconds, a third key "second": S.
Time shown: {"hour": 5, "minute": 17}
